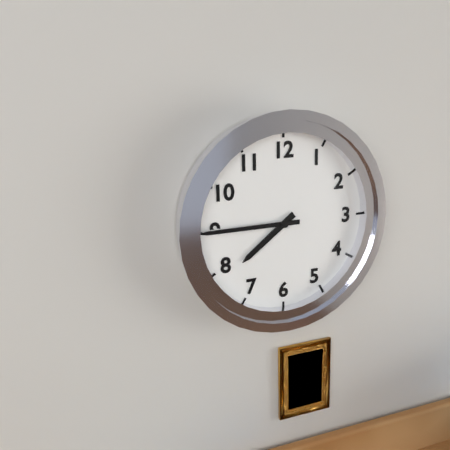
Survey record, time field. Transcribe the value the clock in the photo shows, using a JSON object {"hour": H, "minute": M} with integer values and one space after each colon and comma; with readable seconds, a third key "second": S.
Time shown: {"hour": 7, "minute": 45}
